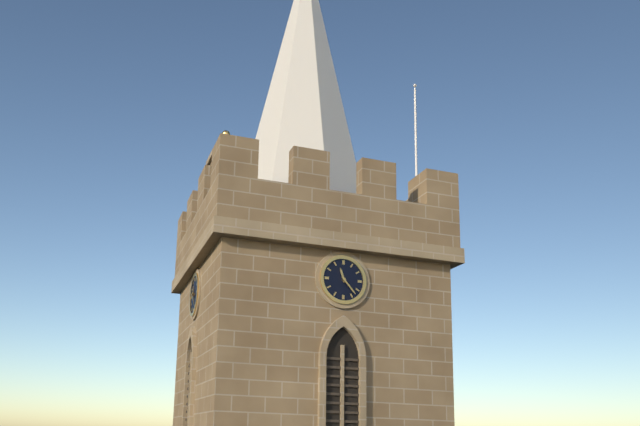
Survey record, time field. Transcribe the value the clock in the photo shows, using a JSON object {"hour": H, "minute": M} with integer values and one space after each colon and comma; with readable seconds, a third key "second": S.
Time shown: {"hour": 11, "minute": 23}
